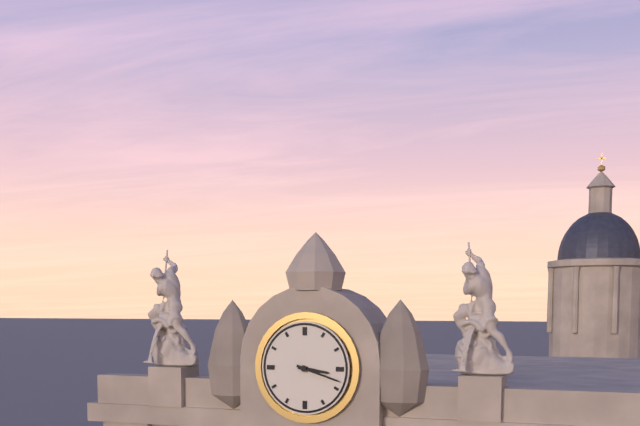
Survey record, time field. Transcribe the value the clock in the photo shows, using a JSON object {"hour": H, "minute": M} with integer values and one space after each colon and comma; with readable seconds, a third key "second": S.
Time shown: {"hour": 3, "minute": 18}
